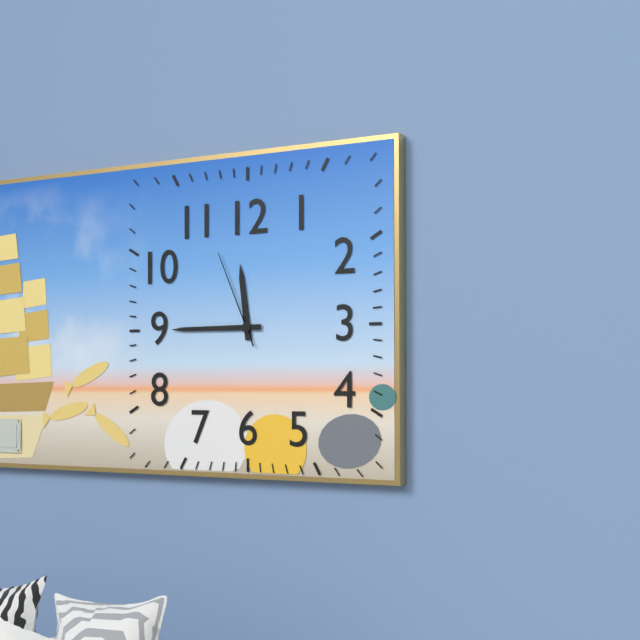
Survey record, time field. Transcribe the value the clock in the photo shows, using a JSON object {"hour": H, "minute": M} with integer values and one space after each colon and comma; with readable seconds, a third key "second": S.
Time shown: {"hour": 11, "minute": 45, "second": 56}
